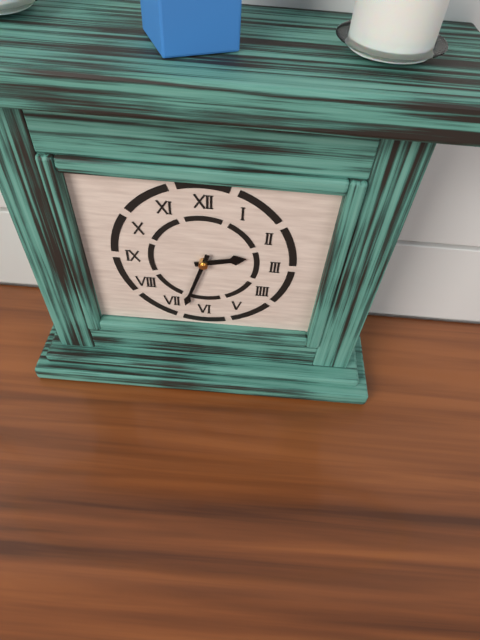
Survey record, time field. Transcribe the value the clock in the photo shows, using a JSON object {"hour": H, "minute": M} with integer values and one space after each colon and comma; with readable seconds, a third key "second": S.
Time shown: {"hour": 2, "minute": 33}
